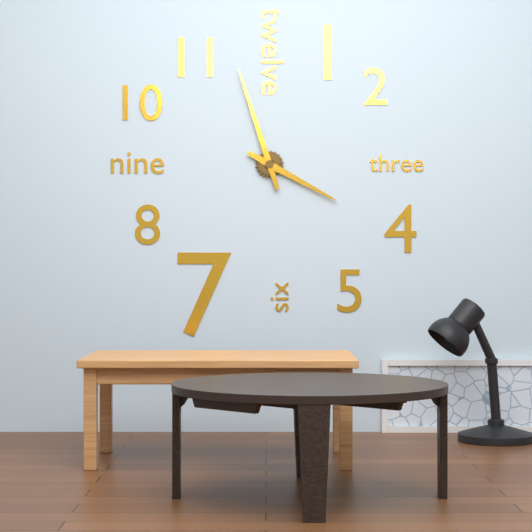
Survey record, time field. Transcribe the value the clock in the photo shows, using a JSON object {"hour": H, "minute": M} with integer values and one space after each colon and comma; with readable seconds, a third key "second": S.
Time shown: {"hour": 3, "minute": 57}
